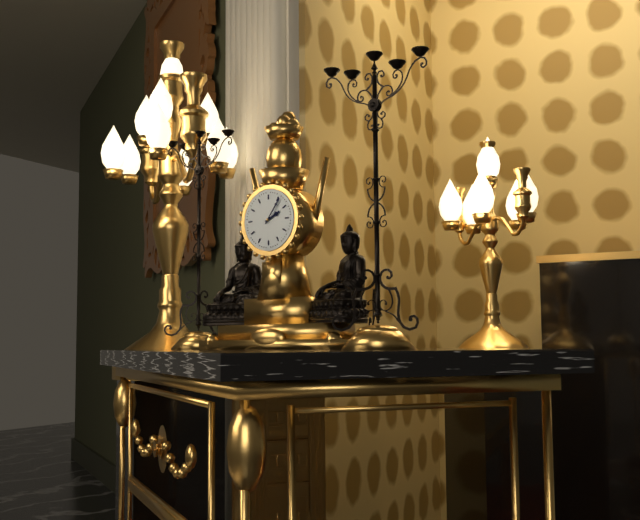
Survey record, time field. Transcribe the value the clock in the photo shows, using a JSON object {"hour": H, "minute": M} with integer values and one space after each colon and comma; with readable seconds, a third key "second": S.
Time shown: {"hour": 2, "minute": 6}
